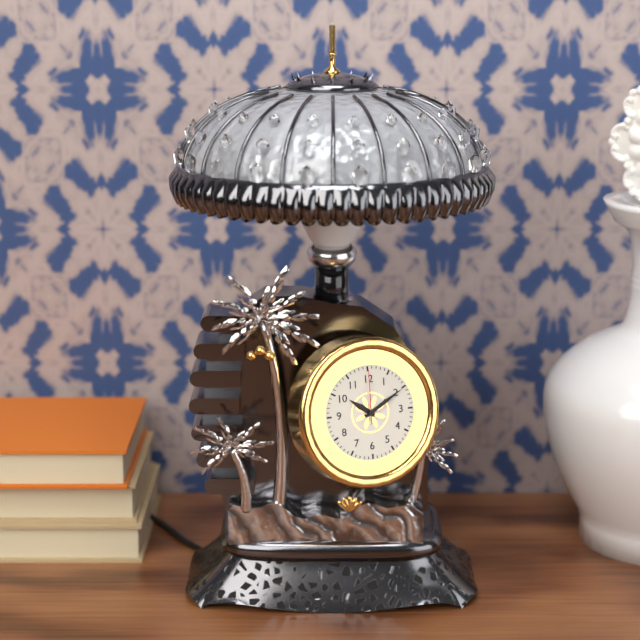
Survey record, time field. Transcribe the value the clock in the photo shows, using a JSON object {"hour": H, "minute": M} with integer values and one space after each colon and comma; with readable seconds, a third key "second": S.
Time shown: {"hour": 10, "minute": 10, "second": 0}
